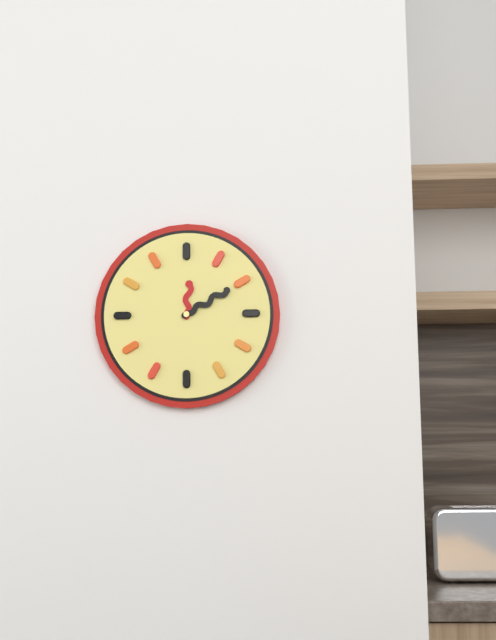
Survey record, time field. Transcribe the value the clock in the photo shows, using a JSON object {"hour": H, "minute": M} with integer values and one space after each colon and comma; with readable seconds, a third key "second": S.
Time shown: {"hour": 12, "minute": 10}
